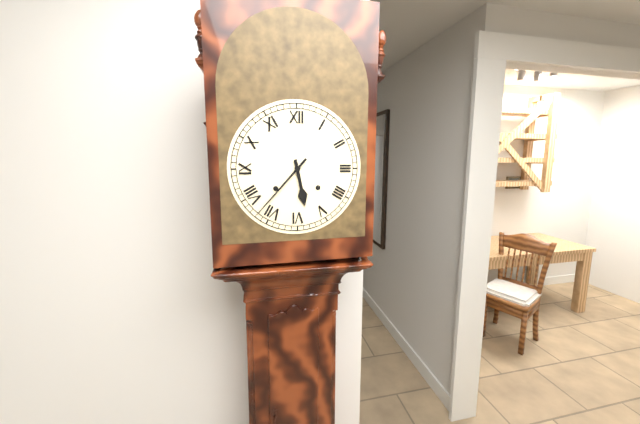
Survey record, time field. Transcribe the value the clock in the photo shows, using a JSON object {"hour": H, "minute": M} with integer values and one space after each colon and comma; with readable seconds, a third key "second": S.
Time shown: {"hour": 5, "minute": 37}
